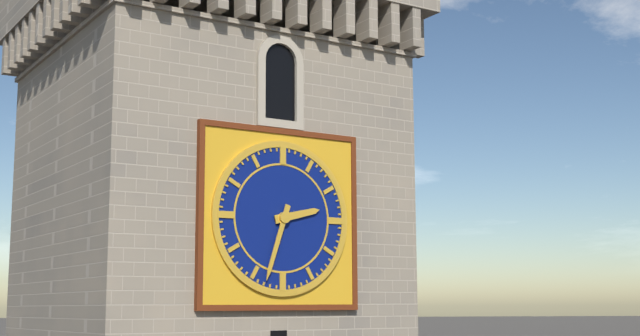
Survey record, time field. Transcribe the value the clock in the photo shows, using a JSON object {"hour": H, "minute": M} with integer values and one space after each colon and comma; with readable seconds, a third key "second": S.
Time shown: {"hour": 2, "minute": 33}
